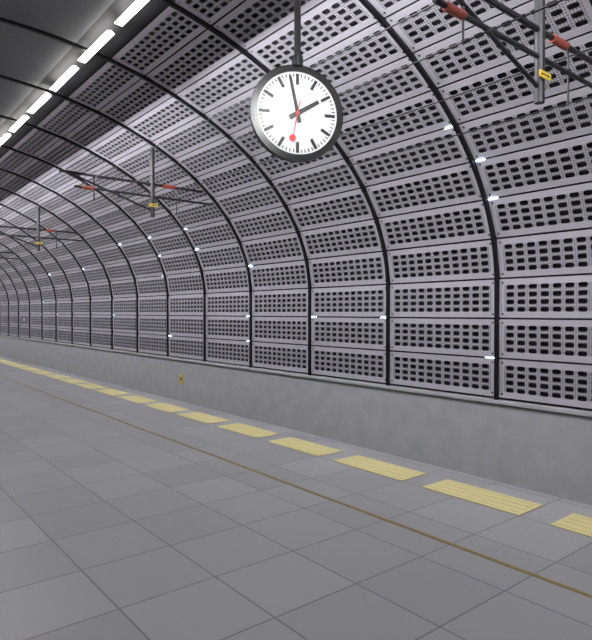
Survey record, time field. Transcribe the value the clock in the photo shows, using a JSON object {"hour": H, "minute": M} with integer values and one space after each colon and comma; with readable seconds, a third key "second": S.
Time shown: {"hour": 1, "minute": 58}
